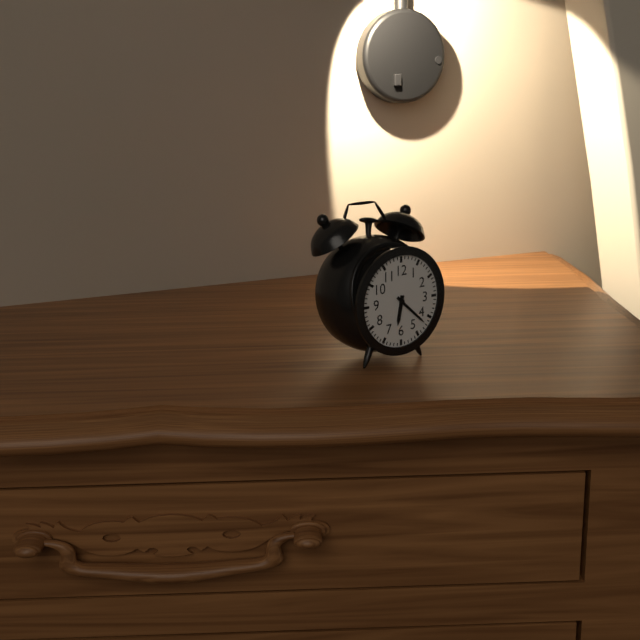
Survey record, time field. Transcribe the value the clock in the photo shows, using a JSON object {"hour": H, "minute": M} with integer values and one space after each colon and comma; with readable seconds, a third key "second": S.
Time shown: {"hour": 6, "minute": 22}
